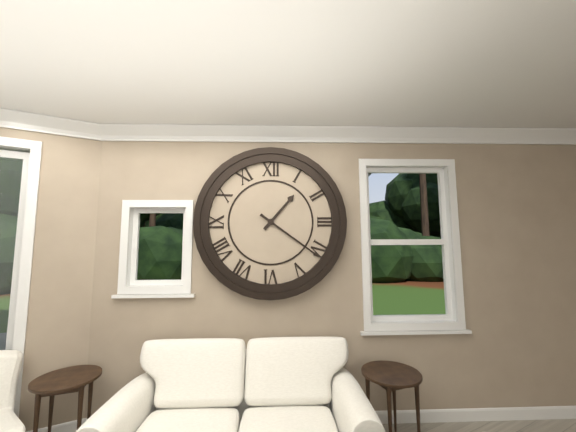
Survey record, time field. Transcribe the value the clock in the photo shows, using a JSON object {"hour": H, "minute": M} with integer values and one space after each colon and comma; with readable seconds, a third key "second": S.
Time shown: {"hour": 1, "minute": 21}
